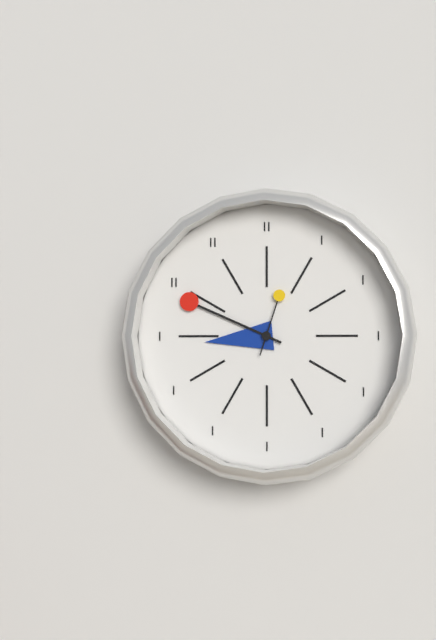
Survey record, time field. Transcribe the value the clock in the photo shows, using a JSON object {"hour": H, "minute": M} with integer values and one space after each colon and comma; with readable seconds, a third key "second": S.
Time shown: {"hour": 8, "minute": 49, "second": 3}
